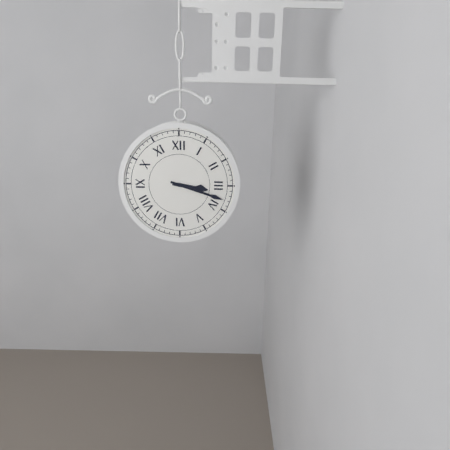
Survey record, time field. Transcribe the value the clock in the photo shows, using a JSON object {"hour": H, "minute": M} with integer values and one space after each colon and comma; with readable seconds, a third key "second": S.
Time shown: {"hour": 3, "minute": 18}
